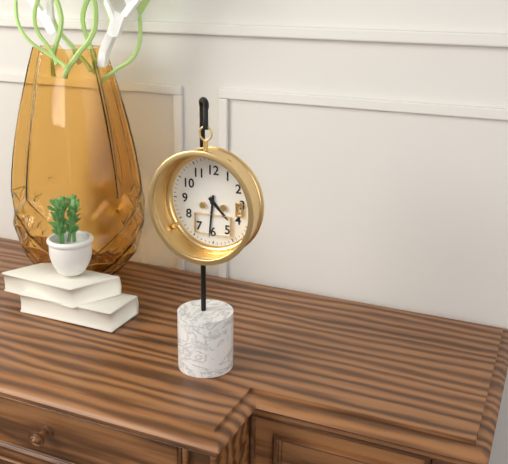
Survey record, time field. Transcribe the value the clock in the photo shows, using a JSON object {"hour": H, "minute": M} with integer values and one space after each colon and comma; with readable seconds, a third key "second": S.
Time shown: {"hour": 4, "minute": 31}
